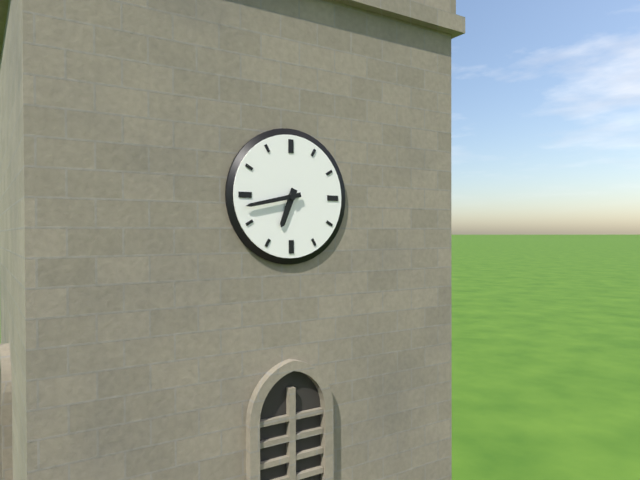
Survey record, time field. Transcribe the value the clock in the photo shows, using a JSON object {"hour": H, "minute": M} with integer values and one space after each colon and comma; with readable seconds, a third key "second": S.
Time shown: {"hour": 6, "minute": 43}
